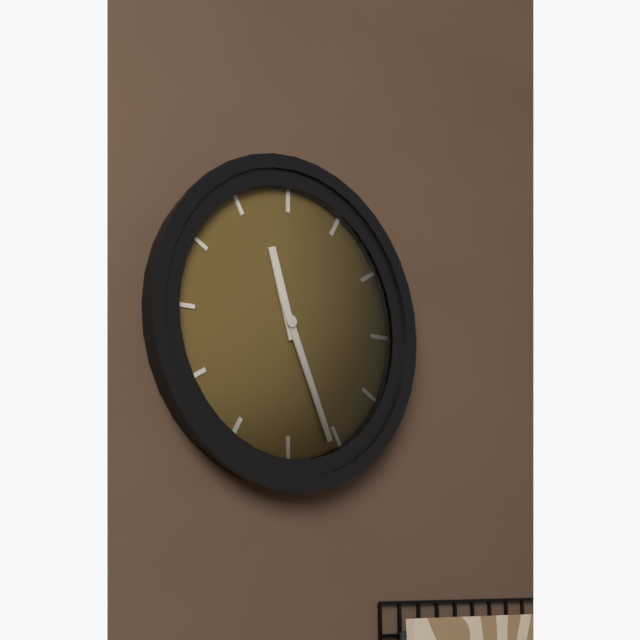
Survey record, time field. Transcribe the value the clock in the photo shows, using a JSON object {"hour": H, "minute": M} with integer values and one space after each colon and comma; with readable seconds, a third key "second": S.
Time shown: {"hour": 11, "minute": 26}
